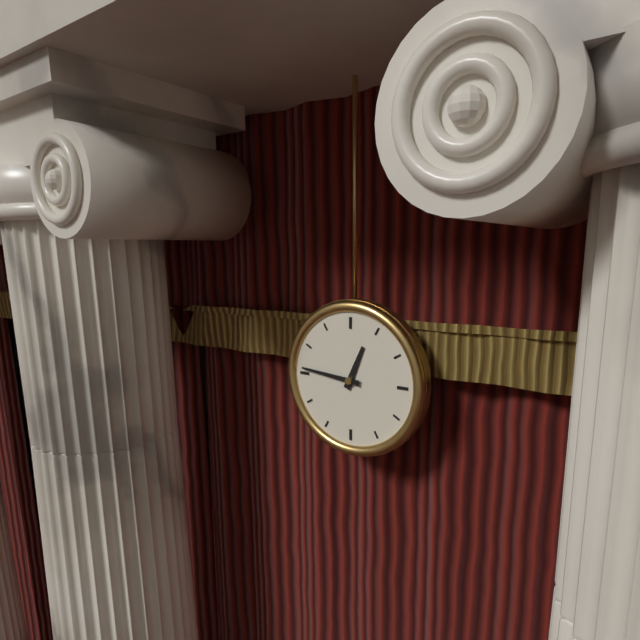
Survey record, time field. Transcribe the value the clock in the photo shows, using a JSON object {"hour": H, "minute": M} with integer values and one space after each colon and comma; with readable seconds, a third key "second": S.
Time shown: {"hour": 12, "minute": 46}
